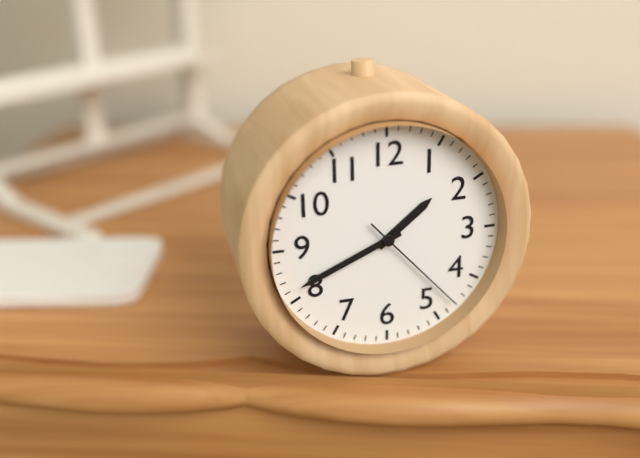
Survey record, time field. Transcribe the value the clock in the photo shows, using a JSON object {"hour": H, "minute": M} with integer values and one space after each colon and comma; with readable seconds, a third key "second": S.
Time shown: {"hour": 1, "minute": 41, "second": 23}
